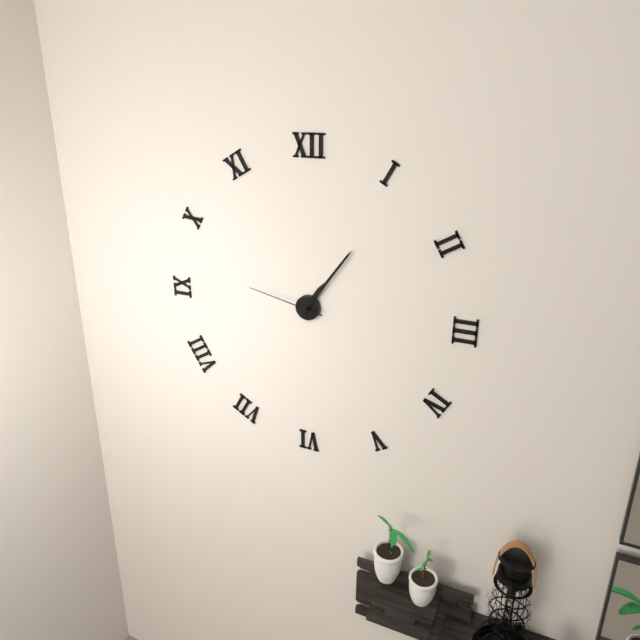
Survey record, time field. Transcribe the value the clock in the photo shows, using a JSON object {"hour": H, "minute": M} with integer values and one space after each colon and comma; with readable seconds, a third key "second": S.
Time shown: {"hour": 1, "minute": 6, "second": 47}
